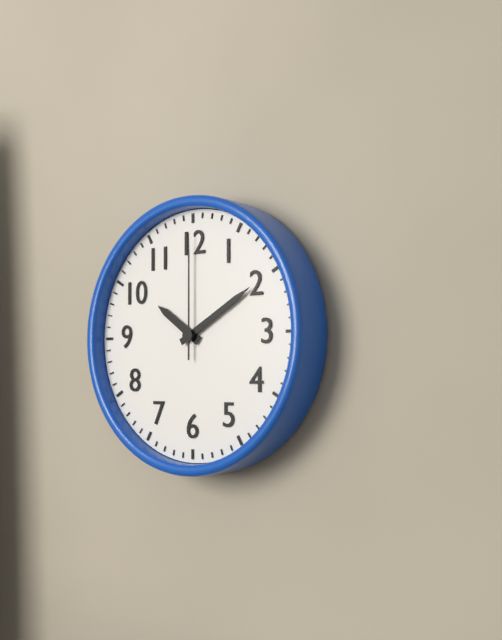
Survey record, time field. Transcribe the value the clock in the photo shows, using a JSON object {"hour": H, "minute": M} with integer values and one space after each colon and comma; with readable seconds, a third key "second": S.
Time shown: {"hour": 10, "minute": 10, "second": 0}
